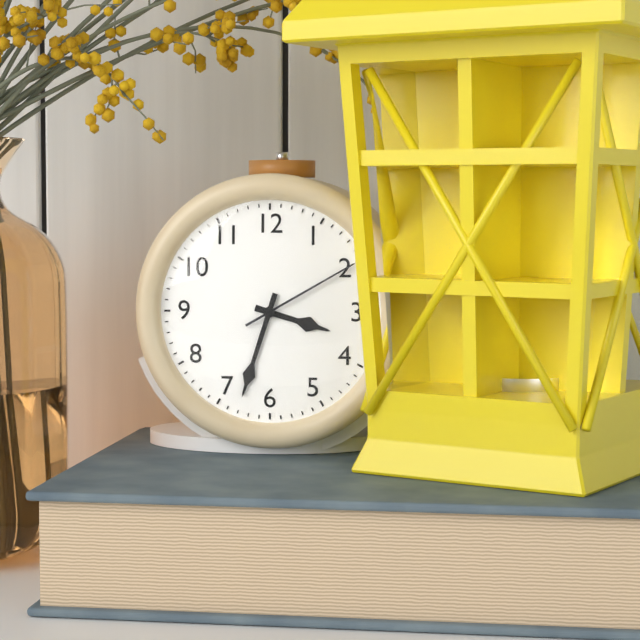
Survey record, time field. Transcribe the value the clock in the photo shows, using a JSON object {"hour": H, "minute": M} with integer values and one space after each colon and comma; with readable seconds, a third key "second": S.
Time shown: {"hour": 3, "minute": 33, "second": 10}
